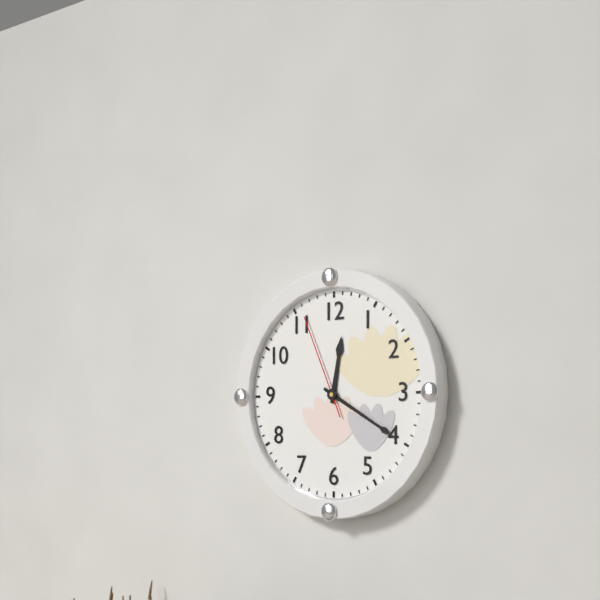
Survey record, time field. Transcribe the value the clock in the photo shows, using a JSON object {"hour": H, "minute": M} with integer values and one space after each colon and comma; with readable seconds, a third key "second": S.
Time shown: {"hour": 12, "minute": 20, "second": 56}
